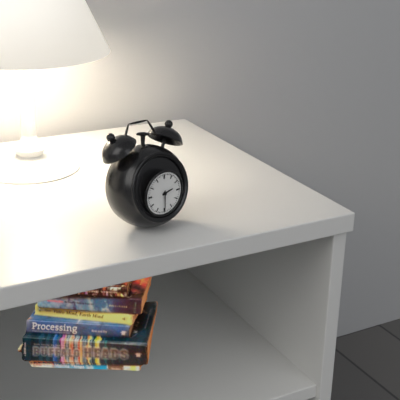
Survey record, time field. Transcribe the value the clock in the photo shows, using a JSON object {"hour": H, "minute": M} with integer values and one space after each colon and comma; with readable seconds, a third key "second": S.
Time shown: {"hour": 2, "minute": 30}
